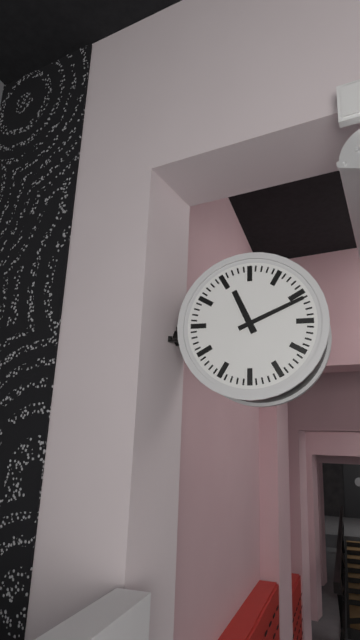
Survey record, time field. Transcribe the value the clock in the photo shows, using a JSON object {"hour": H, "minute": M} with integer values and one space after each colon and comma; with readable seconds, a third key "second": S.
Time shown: {"hour": 11, "minute": 11}
